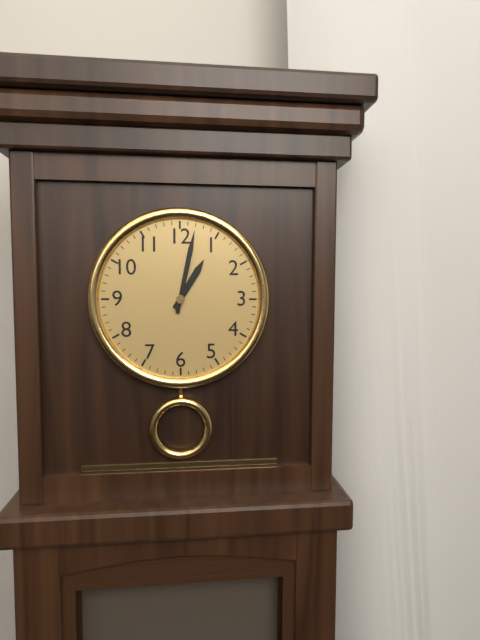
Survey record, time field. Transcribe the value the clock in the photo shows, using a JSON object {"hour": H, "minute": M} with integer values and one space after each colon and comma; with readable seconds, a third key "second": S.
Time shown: {"hour": 1, "minute": 2}
